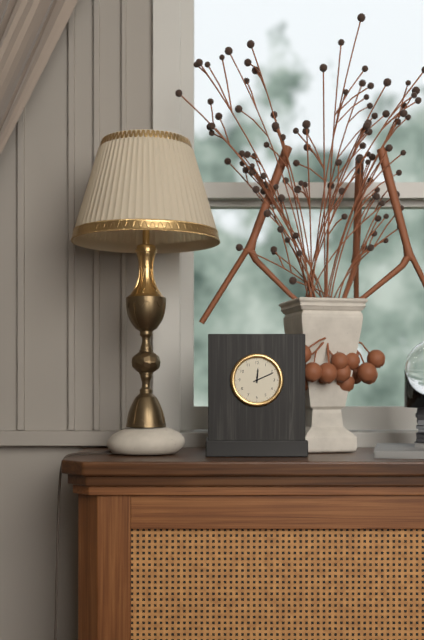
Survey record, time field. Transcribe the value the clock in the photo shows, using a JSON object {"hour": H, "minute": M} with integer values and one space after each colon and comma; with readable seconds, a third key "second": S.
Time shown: {"hour": 12, "minute": 11}
